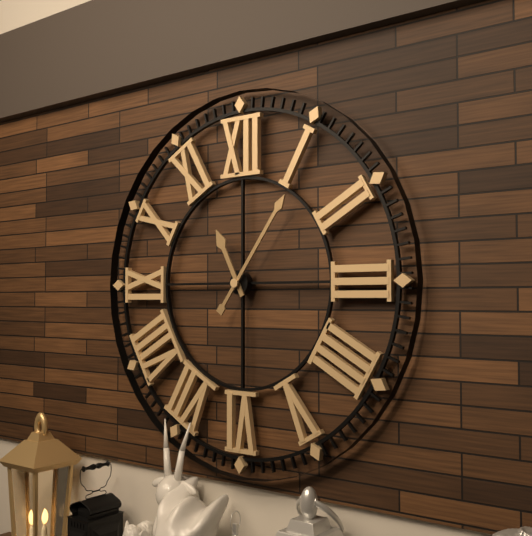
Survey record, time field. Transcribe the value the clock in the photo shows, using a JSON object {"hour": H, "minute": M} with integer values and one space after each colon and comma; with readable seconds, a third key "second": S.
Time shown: {"hour": 11, "minute": 6}
